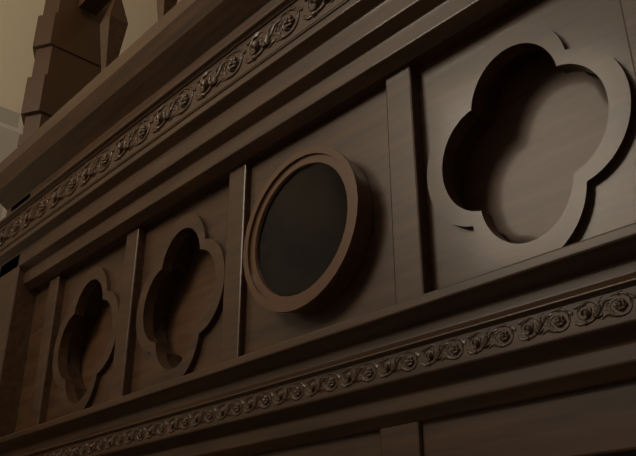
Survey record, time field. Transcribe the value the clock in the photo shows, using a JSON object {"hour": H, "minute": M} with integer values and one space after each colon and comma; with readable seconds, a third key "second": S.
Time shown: {"hour": 6, "minute": 16}
